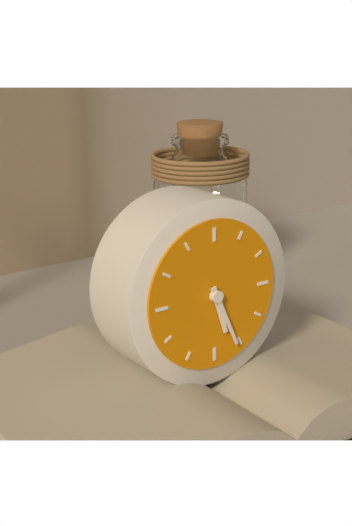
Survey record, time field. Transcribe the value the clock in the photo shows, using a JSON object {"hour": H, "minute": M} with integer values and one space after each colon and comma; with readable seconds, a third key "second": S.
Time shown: {"hour": 5, "minute": 26}
